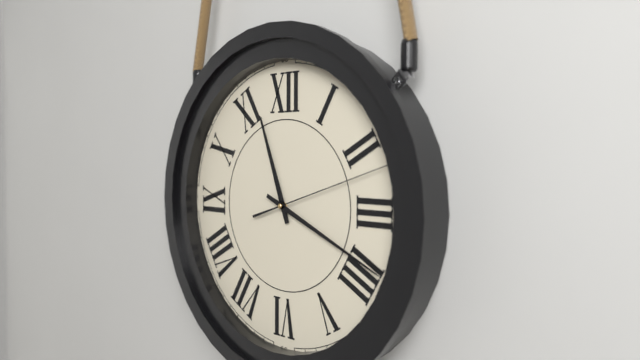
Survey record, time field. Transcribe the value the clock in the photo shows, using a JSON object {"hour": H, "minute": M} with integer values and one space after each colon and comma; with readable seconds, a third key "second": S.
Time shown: {"hour": 11, "minute": 19, "second": 12}
